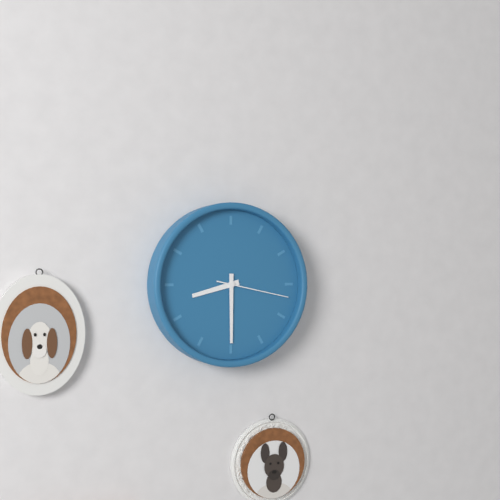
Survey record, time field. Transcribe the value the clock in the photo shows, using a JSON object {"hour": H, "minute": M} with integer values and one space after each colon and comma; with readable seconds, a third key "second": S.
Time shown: {"hour": 8, "minute": 30, "second": 17}
